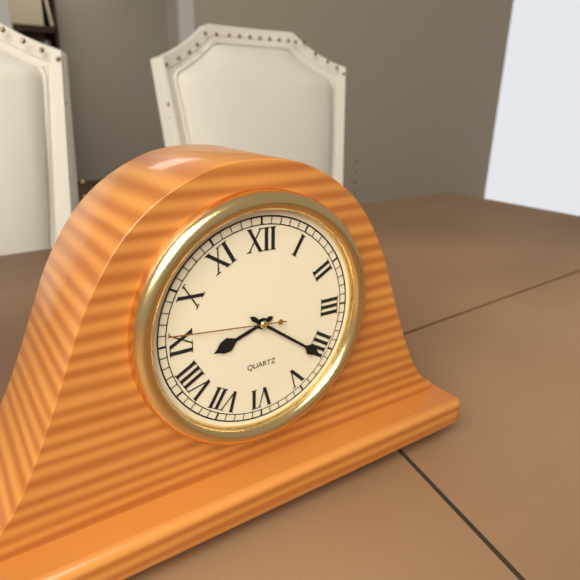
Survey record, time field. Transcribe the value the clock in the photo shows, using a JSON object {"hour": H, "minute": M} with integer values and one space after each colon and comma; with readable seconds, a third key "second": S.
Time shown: {"hour": 8, "minute": 21, "second": 46}
